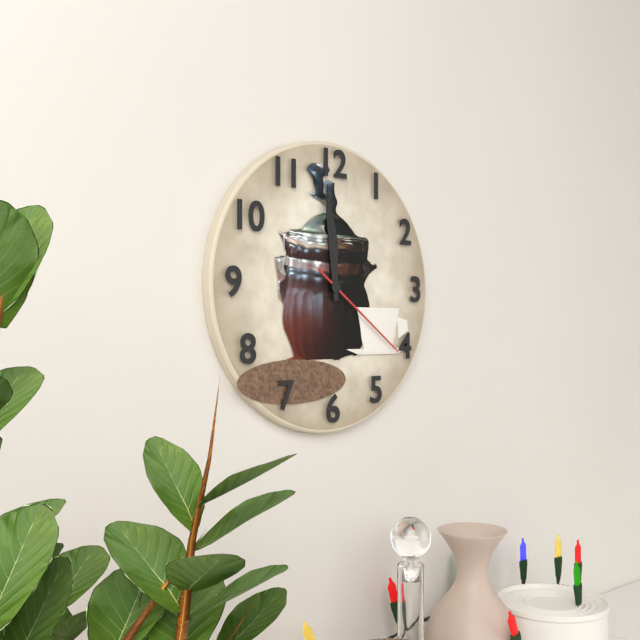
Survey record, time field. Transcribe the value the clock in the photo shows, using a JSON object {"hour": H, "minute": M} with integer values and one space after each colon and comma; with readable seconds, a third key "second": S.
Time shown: {"hour": 11, "minute": 59, "second": 21}
